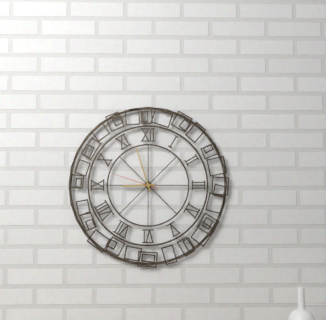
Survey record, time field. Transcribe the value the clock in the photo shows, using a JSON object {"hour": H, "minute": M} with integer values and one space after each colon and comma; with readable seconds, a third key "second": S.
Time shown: {"hour": 8, "minute": 57}
